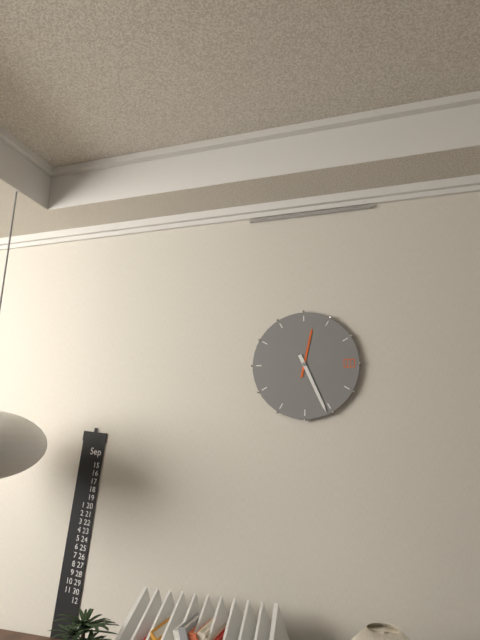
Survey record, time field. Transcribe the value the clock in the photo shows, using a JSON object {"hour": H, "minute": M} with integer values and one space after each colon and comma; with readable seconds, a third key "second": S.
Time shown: {"hour": 12, "minute": 26}
